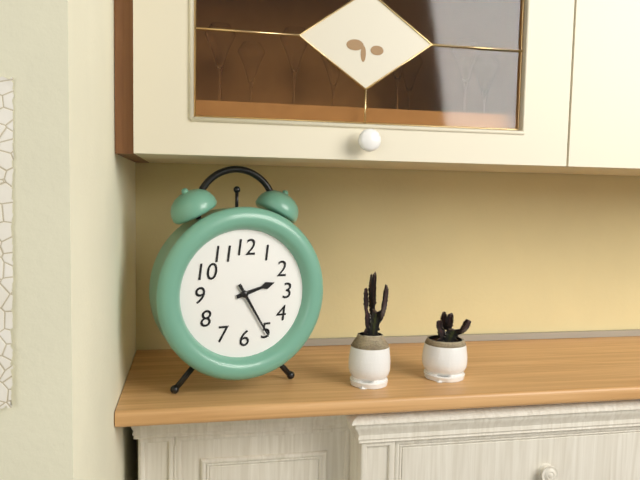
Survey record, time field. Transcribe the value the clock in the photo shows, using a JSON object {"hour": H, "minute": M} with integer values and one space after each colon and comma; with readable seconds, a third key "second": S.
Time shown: {"hour": 2, "minute": 25}
